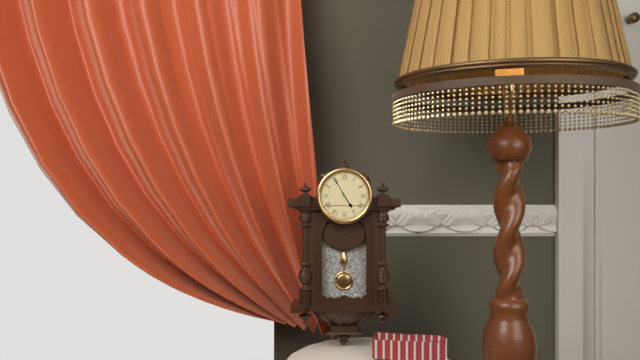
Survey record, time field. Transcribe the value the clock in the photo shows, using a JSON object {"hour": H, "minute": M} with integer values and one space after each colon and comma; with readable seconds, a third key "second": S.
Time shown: {"hour": 4, "minute": 55}
